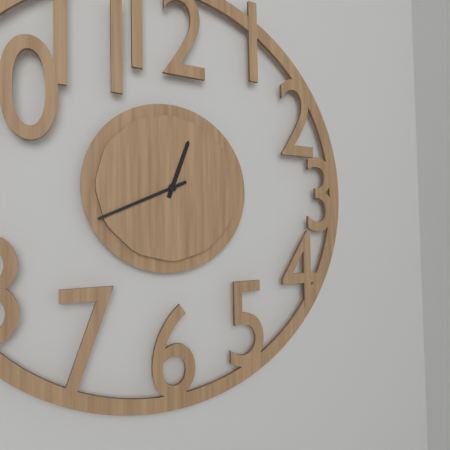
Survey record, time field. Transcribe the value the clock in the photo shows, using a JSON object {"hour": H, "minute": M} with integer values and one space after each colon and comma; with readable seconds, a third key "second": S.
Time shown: {"hour": 12, "minute": 41}
